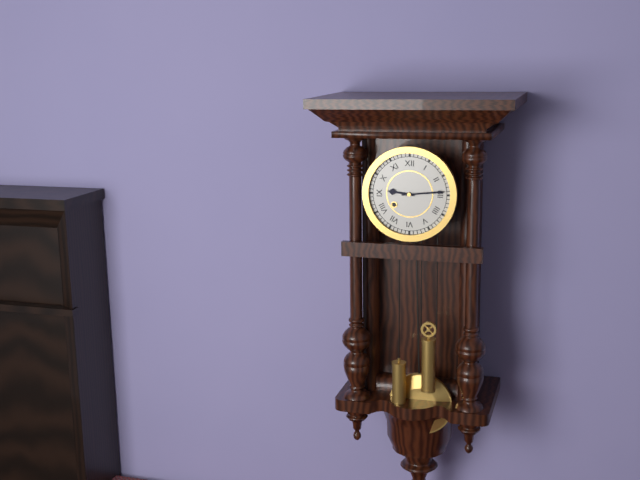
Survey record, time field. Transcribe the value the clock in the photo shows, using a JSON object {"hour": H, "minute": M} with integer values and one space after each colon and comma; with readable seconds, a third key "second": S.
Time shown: {"hour": 9, "minute": 14}
